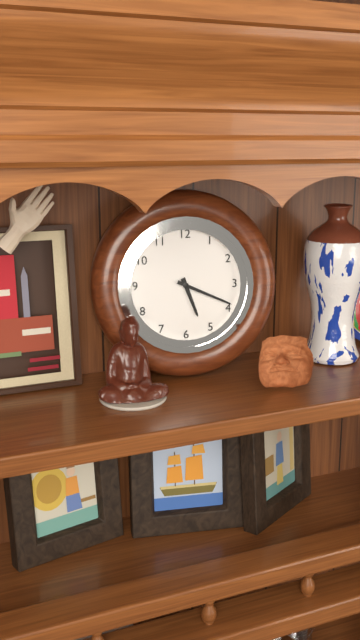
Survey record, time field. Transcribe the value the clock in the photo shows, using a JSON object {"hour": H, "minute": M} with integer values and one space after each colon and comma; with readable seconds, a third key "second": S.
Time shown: {"hour": 5, "minute": 19}
